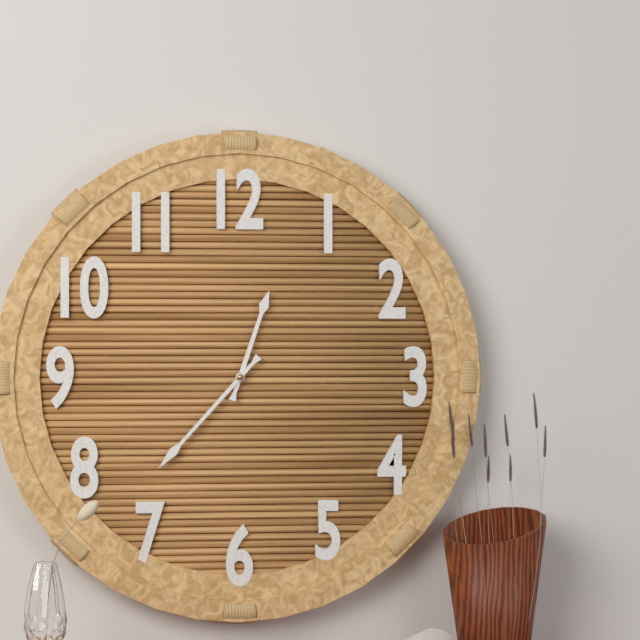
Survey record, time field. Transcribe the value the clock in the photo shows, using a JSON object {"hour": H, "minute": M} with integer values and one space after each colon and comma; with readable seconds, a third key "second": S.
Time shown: {"hour": 12, "minute": 37}
